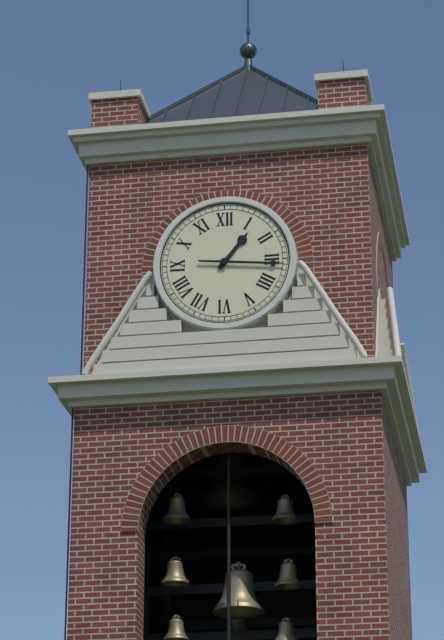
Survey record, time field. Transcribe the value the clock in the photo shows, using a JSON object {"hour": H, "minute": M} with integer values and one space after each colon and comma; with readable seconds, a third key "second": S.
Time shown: {"hour": 1, "minute": 16}
